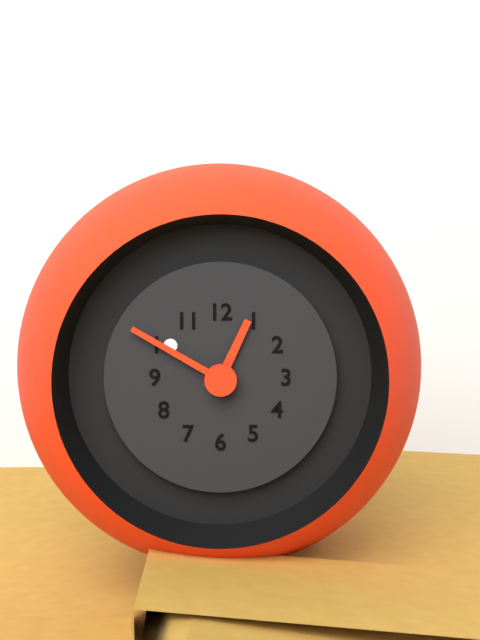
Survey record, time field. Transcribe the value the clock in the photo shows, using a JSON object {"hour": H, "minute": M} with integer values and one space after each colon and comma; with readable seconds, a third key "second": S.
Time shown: {"hour": 12, "minute": 50}
